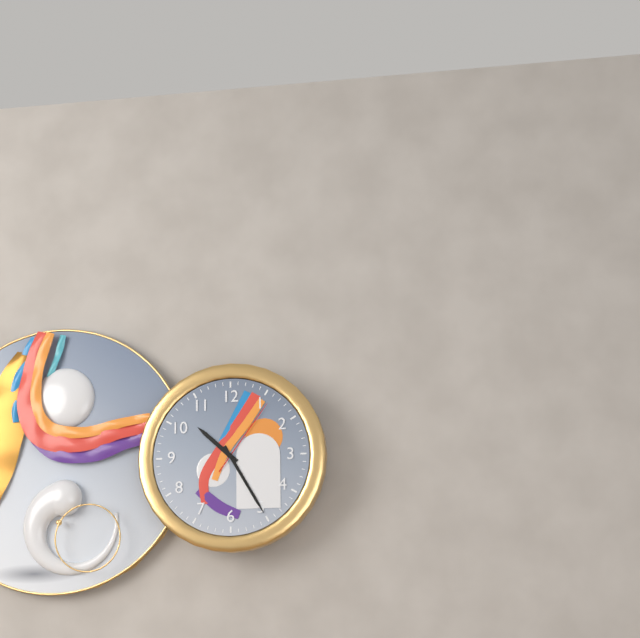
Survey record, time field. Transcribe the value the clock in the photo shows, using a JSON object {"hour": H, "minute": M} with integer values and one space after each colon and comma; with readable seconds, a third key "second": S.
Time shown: {"hour": 10, "minute": 25, "second": 6}
